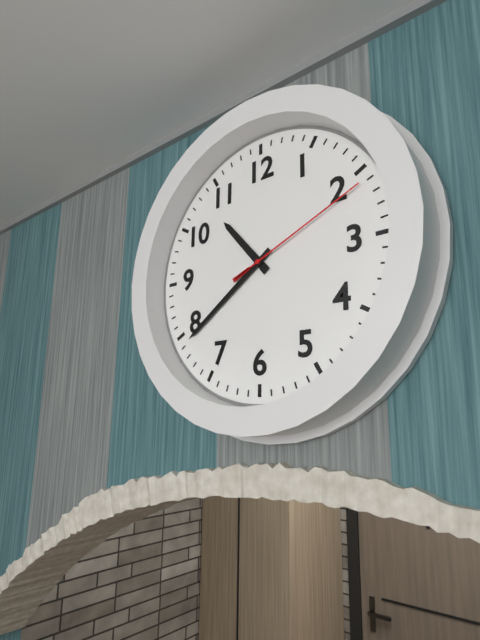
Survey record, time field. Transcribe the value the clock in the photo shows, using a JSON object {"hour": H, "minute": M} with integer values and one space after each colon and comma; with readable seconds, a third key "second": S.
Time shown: {"hour": 10, "minute": 39, "second": 11}
